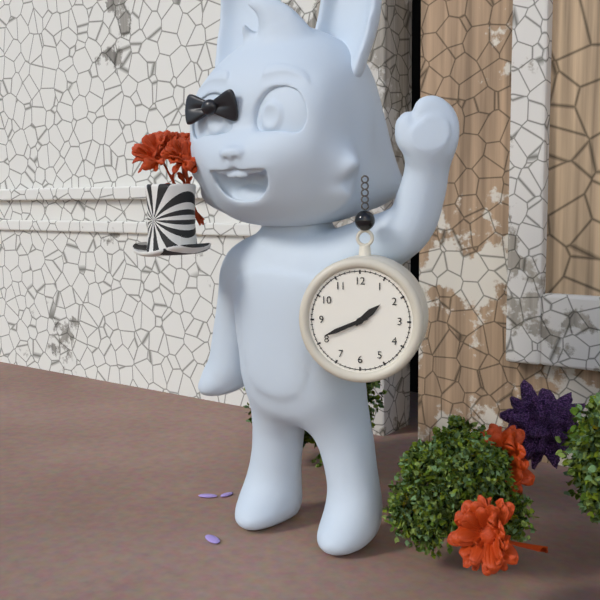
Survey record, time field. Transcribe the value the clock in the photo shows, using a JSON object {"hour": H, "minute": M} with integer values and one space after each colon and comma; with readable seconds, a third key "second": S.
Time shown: {"hour": 1, "minute": 41}
